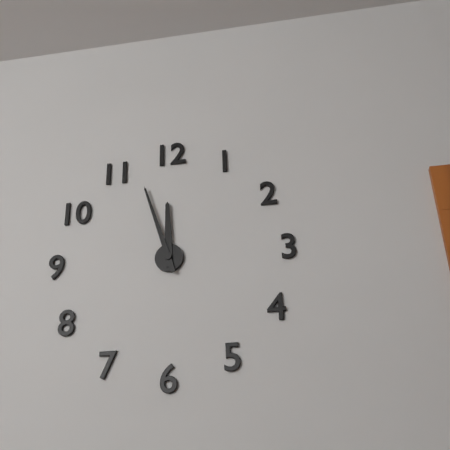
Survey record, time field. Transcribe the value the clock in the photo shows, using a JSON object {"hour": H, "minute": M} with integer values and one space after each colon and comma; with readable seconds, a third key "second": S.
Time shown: {"hour": 11, "minute": 57}
